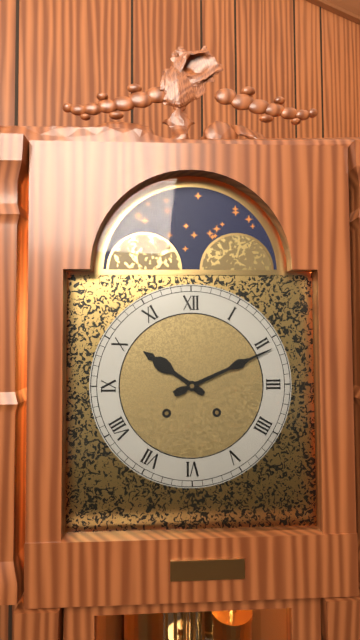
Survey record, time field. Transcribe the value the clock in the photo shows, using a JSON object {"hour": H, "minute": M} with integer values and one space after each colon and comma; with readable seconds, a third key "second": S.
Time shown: {"hour": 10, "minute": 11}
